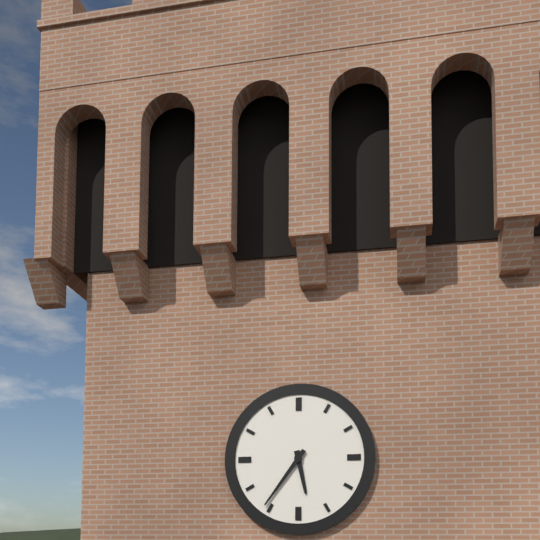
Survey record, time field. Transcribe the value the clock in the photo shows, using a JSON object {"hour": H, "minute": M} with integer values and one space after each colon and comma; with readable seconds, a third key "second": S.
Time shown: {"hour": 5, "minute": 36}
